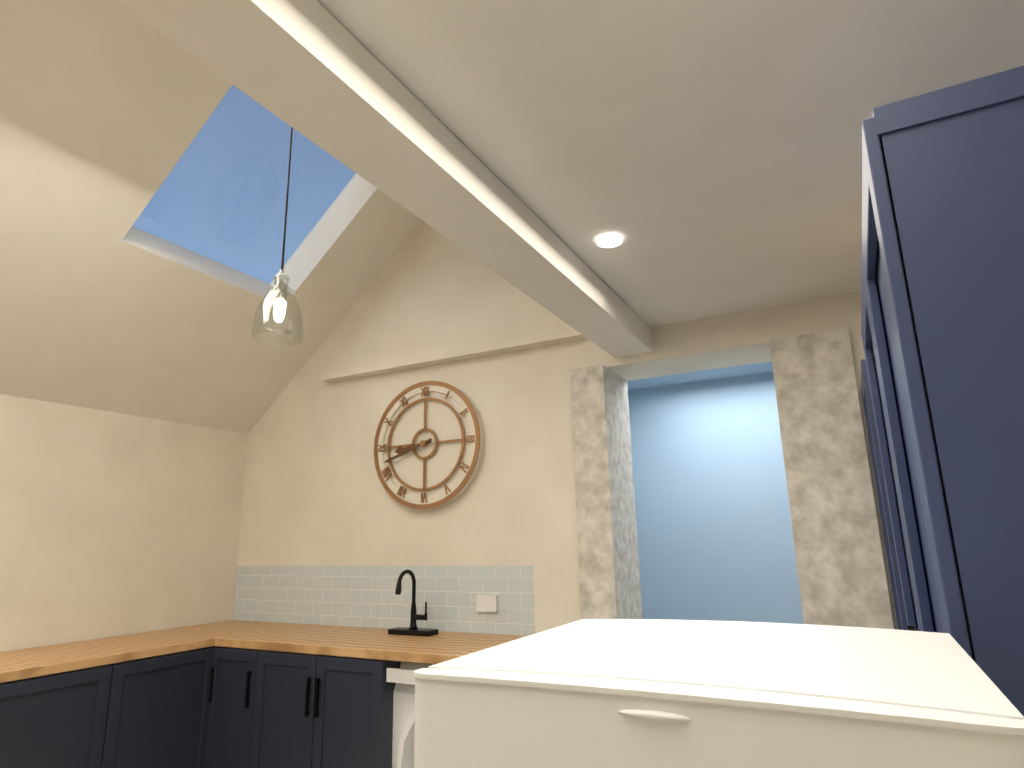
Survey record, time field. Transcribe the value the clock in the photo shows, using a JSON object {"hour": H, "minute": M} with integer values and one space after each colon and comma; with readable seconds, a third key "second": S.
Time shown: {"hour": 8, "minute": 42}
